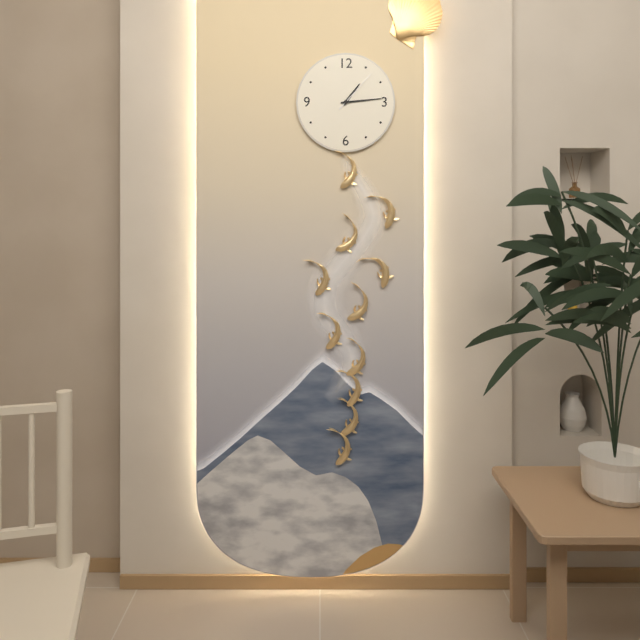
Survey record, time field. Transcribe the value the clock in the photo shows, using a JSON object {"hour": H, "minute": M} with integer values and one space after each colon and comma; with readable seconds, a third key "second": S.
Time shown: {"hour": 1, "minute": 14}
